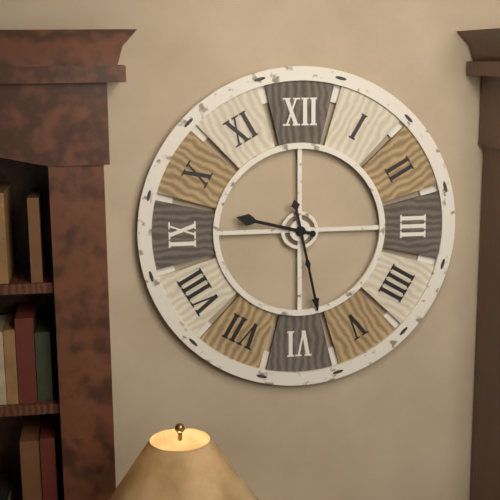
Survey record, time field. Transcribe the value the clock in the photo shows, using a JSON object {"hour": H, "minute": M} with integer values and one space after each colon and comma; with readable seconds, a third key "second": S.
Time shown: {"hour": 9, "minute": 28}
